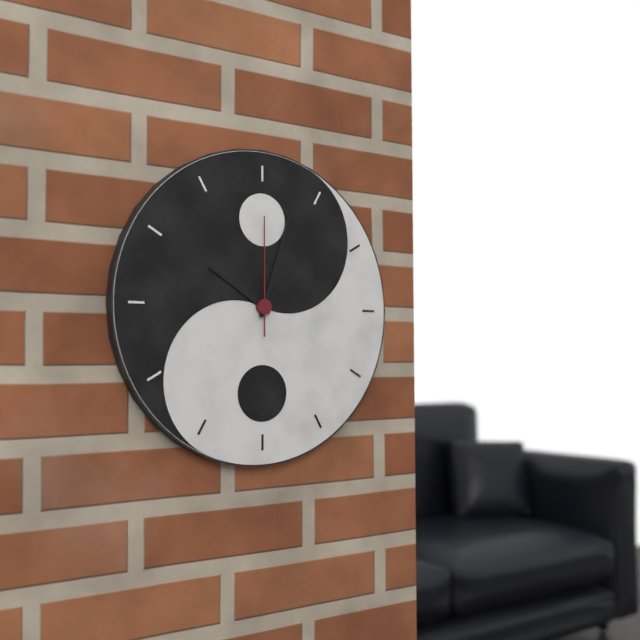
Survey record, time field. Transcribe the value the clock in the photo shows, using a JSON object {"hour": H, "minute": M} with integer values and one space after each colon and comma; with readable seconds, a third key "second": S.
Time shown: {"hour": 10, "minute": 3, "second": 0}
